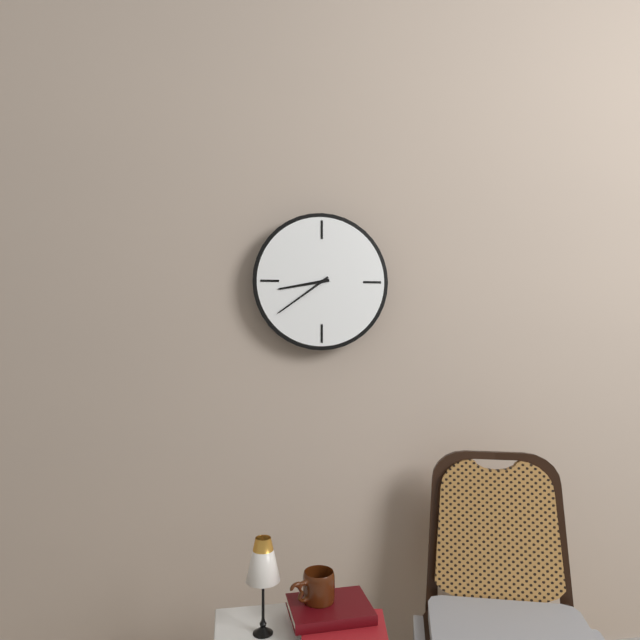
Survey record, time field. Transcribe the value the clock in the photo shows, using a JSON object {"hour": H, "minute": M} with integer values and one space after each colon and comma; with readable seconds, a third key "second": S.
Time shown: {"hour": 8, "minute": 39}
